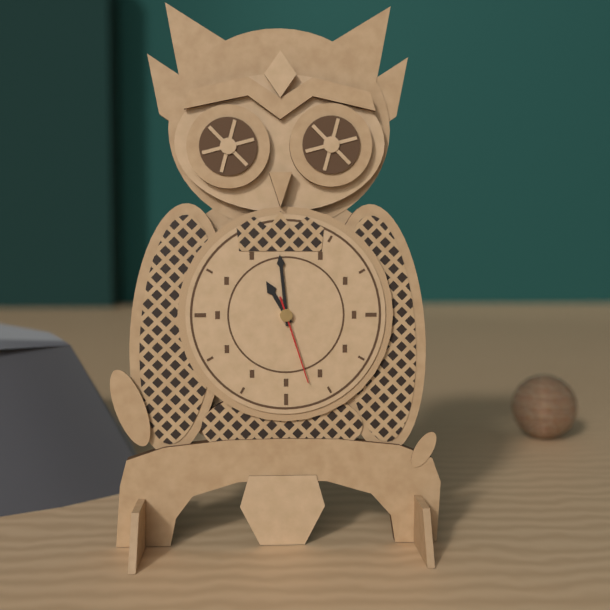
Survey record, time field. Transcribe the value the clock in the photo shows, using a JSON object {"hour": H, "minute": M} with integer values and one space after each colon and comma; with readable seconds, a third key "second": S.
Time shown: {"hour": 10, "minute": 59, "second": 27}
